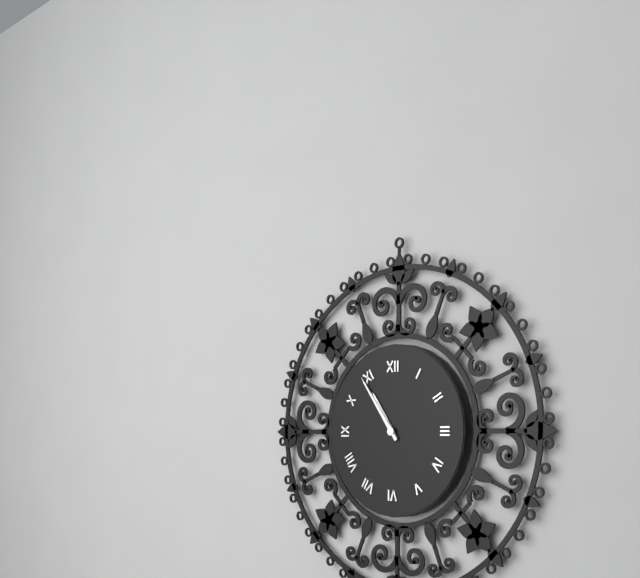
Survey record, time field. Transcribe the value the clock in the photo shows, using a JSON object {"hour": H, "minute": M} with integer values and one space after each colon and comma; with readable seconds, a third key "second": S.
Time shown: {"hour": 10, "minute": 54}
